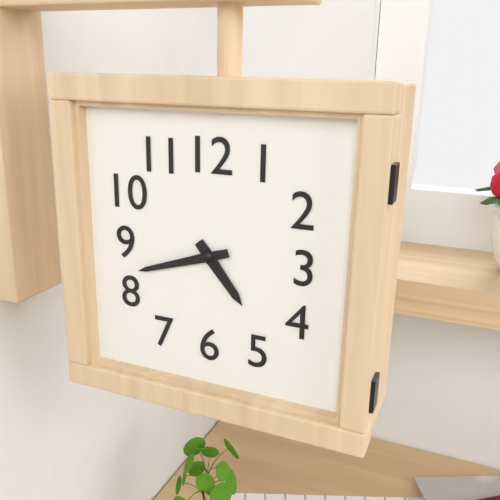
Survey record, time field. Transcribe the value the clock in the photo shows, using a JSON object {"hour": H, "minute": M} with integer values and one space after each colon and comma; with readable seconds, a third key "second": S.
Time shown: {"hour": 4, "minute": 42}
